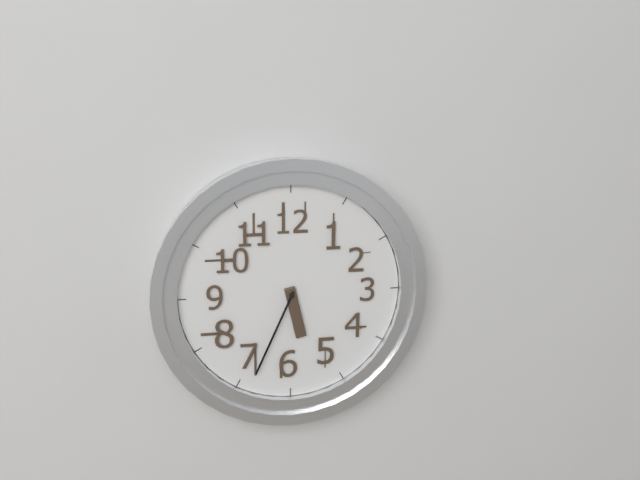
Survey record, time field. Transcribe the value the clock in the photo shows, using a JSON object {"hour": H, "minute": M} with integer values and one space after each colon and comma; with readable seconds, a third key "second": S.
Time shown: {"hour": 5, "minute": 34}
